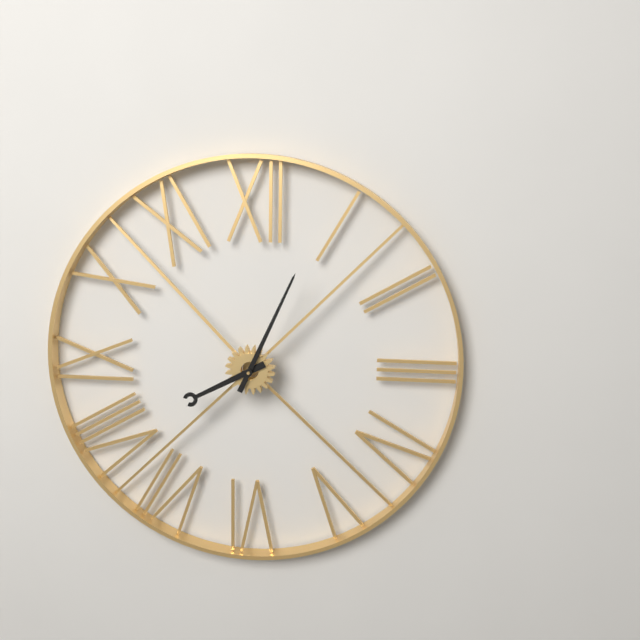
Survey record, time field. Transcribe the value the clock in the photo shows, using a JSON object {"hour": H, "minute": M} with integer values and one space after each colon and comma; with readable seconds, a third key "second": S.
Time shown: {"hour": 8, "minute": 4}
